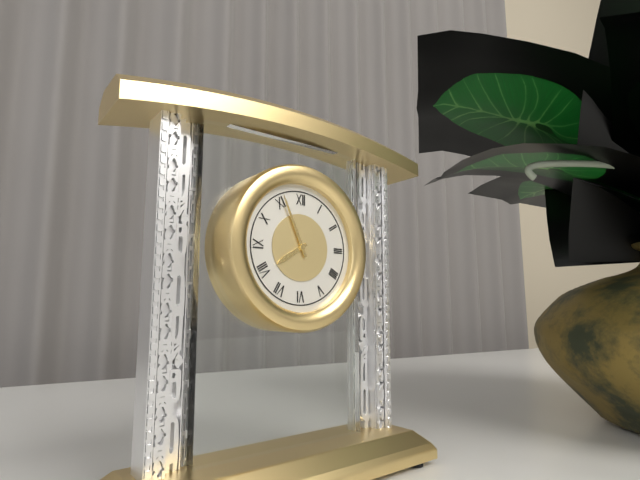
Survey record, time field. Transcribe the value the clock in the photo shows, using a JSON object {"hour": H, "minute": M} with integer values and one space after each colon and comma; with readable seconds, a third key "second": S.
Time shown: {"hour": 7, "minute": 56}
